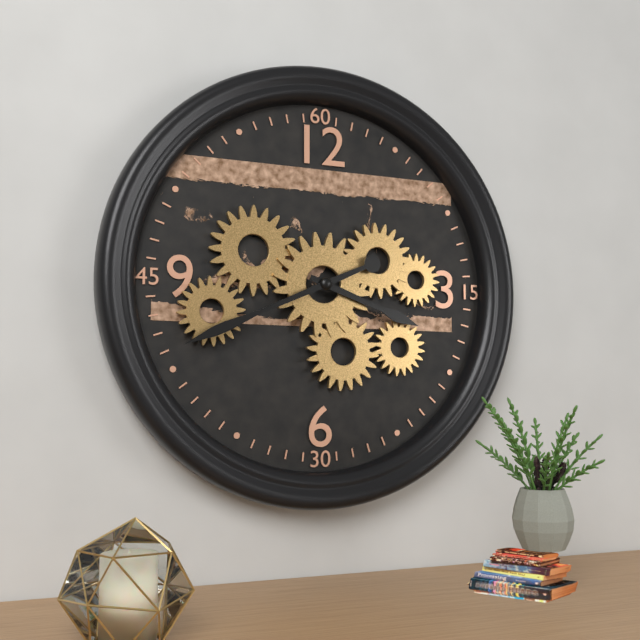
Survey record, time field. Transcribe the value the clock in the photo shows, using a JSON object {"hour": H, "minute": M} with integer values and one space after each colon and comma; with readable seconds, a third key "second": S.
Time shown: {"hour": 3, "minute": 41}
